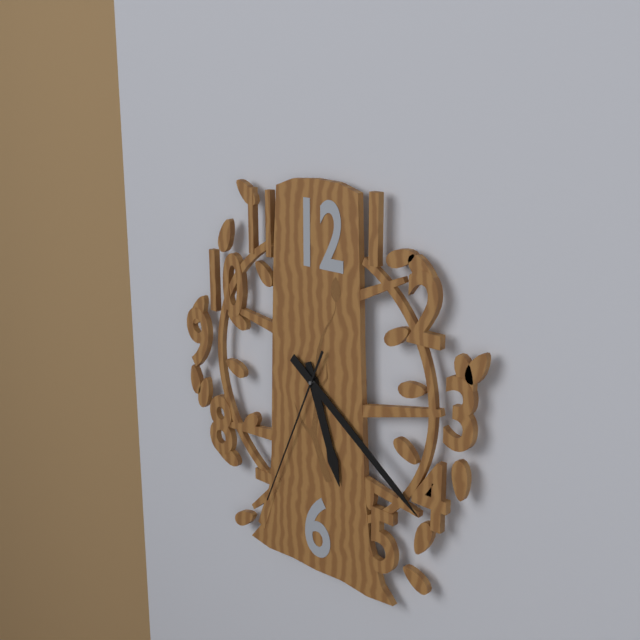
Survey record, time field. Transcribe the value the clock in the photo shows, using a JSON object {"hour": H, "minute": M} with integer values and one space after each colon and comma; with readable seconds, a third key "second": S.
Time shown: {"hour": 5, "minute": 21, "second": 34}
